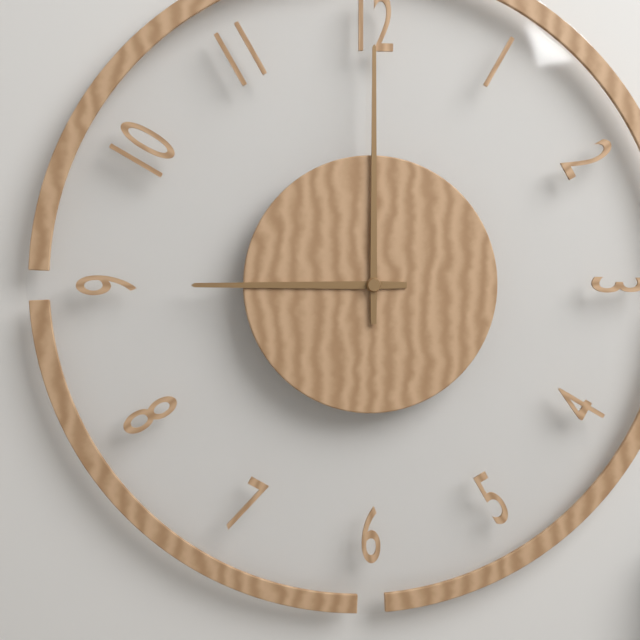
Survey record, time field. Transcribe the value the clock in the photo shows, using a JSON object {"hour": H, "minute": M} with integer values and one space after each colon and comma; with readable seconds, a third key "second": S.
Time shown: {"hour": 9, "minute": 0}
